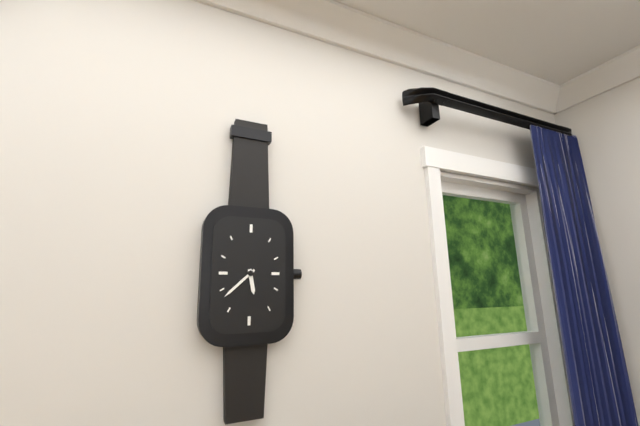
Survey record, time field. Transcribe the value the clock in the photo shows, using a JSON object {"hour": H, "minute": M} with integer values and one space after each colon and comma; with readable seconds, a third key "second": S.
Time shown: {"hour": 5, "minute": 38}
